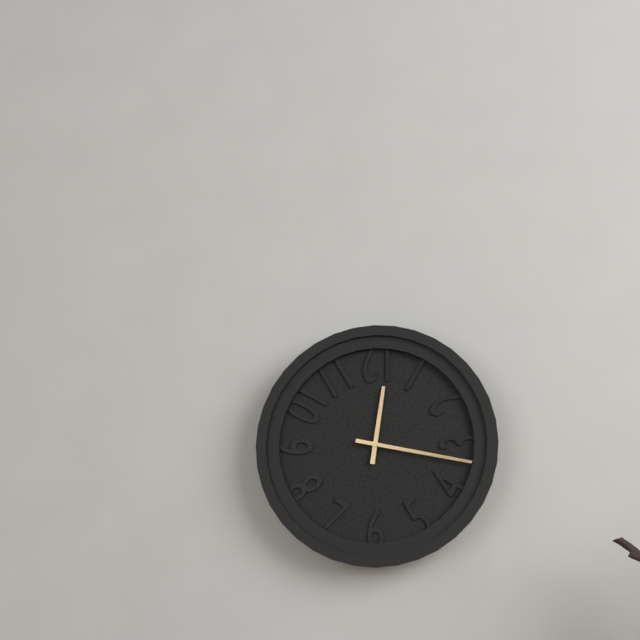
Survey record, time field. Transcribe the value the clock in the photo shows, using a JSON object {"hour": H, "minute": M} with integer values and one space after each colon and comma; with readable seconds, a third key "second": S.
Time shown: {"hour": 12, "minute": 17}
